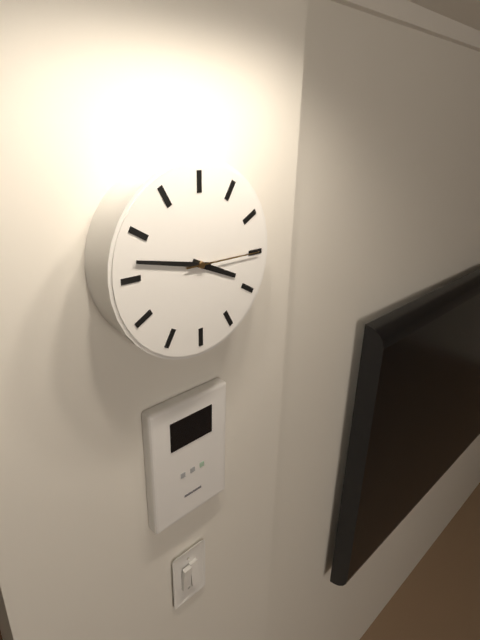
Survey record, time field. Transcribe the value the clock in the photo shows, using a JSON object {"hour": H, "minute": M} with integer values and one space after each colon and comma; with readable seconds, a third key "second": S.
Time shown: {"hour": 3, "minute": 47, "second": 15}
